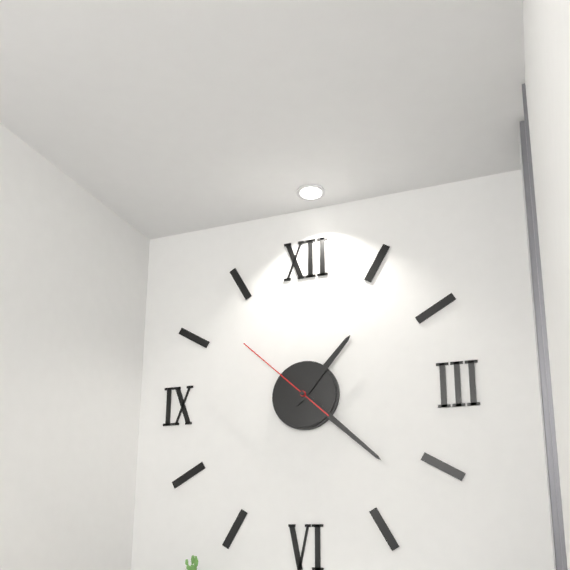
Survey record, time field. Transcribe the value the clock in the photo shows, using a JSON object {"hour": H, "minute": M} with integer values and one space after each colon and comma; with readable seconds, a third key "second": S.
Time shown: {"hour": 1, "minute": 22, "second": 52}
